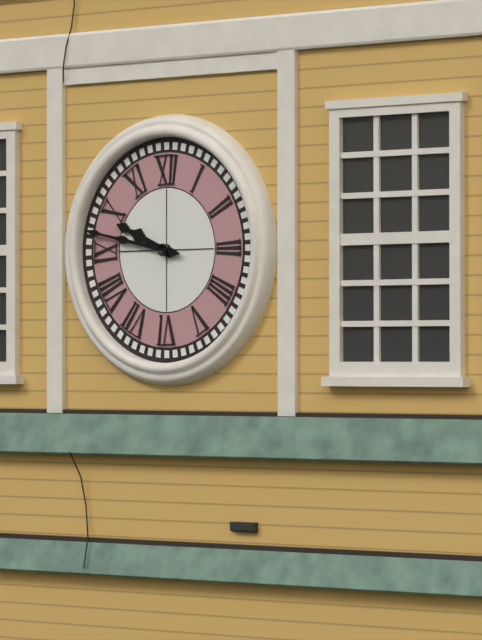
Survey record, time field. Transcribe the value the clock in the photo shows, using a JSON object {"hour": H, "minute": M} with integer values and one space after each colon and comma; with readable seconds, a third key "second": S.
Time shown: {"hour": 9, "minute": 47}
